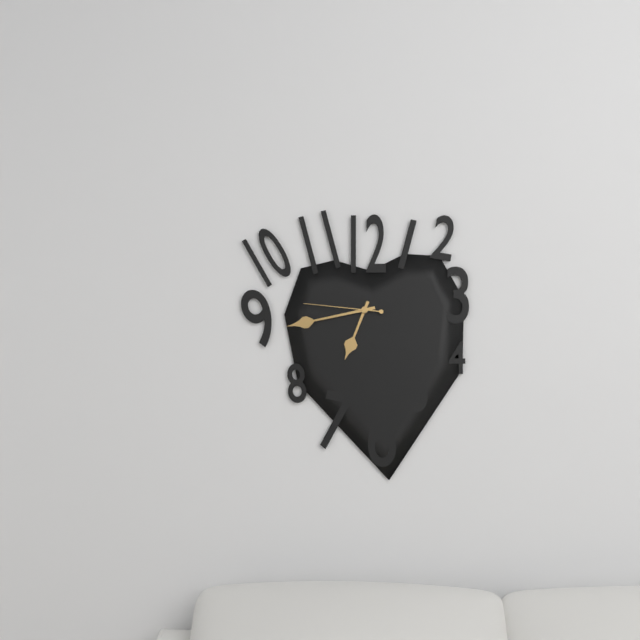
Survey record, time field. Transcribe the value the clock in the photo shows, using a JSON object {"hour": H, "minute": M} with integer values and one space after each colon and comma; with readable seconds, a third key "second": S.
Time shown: {"hour": 6, "minute": 43, "second": 46}
